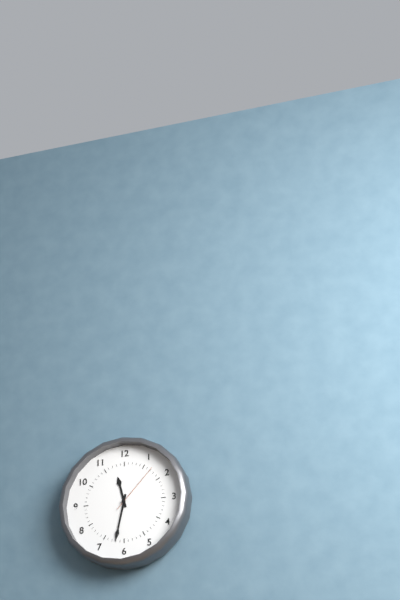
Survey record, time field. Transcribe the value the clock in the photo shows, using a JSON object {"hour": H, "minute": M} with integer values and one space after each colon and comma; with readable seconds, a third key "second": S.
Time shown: {"hour": 11, "minute": 32, "second": 7}
